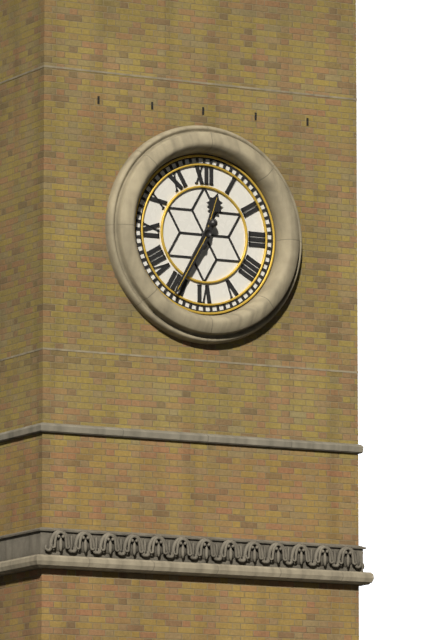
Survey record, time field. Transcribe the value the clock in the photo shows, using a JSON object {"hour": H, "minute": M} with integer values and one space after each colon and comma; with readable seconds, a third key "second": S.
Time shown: {"hour": 12, "minute": 35}
